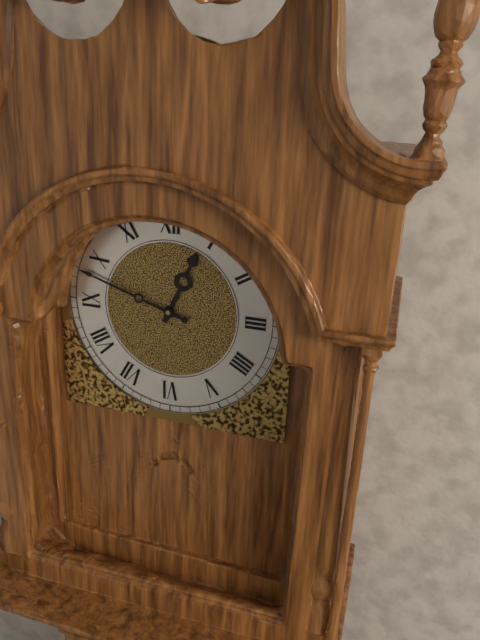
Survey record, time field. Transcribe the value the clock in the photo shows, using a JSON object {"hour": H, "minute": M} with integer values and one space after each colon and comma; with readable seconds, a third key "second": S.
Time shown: {"hour": 12, "minute": 48}
